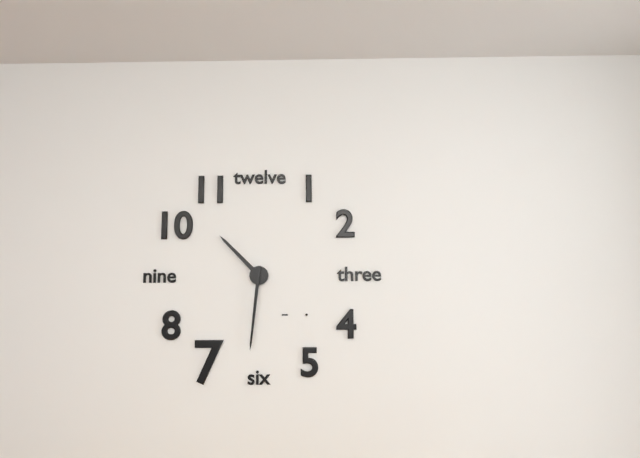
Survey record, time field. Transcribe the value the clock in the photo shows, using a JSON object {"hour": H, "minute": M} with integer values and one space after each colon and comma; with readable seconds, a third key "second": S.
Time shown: {"hour": 10, "minute": 31}
